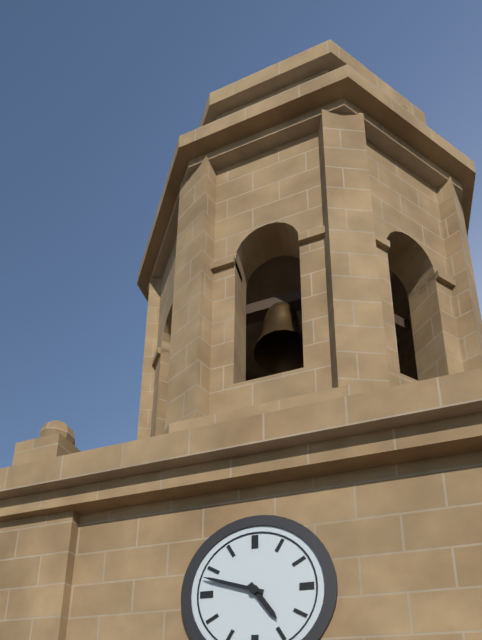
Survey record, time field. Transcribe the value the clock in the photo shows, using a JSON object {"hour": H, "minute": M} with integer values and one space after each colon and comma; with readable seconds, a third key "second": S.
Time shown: {"hour": 4, "minute": 48}
